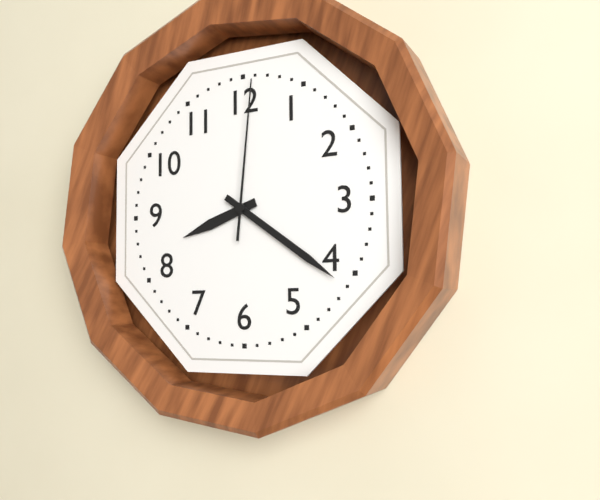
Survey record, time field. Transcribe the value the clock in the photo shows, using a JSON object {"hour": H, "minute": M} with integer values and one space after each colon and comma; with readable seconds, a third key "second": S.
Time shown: {"hour": 8, "minute": 21, "second": 1}
